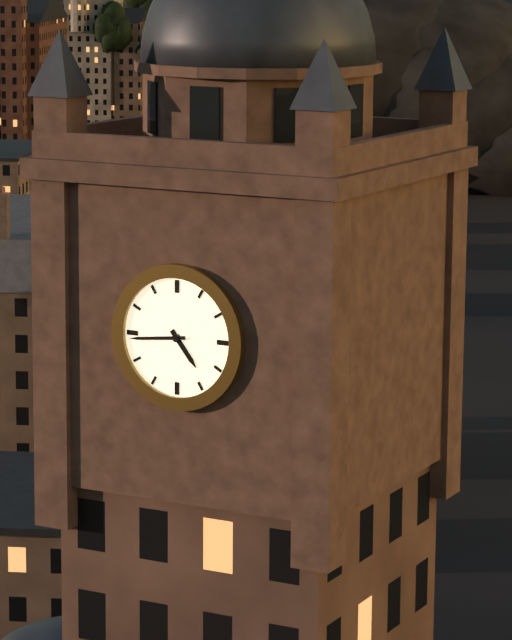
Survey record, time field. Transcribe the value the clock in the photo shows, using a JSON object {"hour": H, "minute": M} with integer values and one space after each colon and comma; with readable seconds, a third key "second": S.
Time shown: {"hour": 4, "minute": 44}
